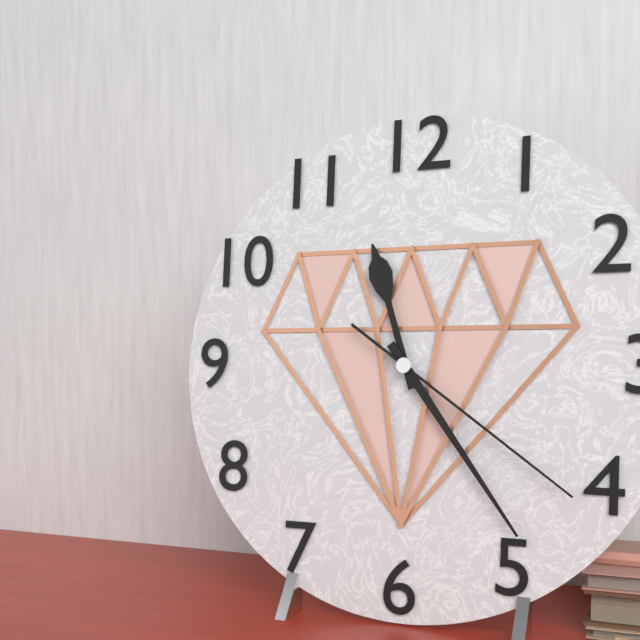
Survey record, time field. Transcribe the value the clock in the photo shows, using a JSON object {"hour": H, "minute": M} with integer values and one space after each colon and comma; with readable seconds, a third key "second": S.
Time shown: {"hour": 11, "minute": 24, "second": 21}
